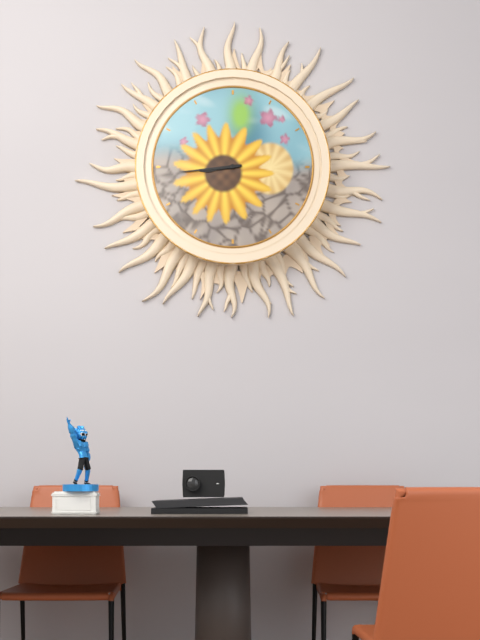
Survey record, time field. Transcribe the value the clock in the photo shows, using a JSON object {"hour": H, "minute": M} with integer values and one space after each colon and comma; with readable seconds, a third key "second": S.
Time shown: {"hour": 8, "minute": 44}
